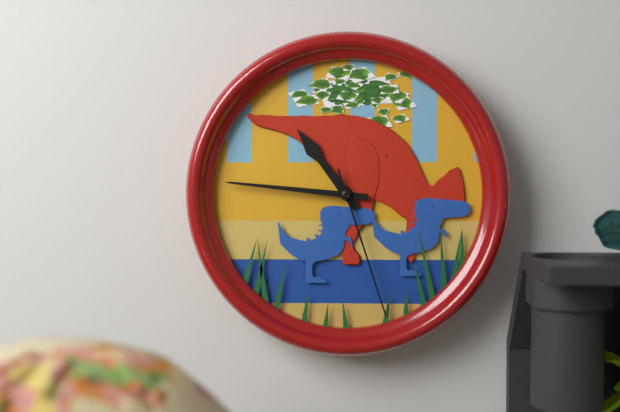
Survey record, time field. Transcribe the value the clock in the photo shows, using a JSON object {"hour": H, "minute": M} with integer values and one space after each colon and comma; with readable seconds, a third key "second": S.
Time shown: {"hour": 10, "minute": 46, "second": 27}
